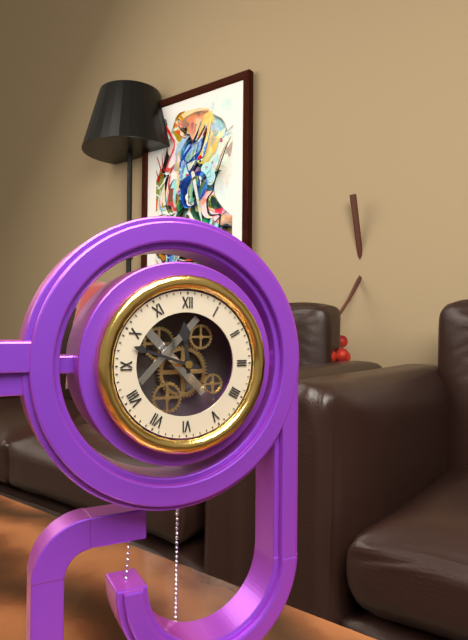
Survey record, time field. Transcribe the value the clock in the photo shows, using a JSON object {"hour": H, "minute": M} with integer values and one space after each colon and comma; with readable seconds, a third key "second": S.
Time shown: {"hour": 11, "minute": 48}
